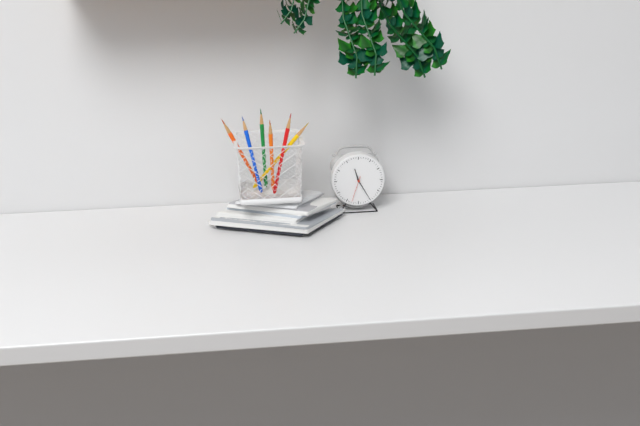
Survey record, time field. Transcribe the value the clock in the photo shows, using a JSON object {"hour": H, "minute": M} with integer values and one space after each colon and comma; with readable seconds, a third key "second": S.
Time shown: {"hour": 11, "minute": 25}
